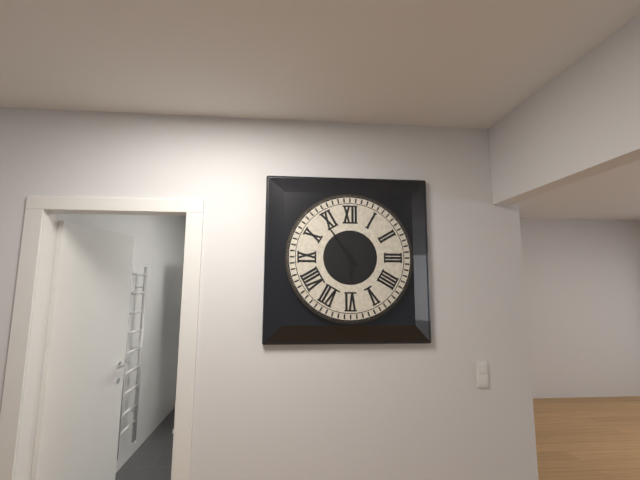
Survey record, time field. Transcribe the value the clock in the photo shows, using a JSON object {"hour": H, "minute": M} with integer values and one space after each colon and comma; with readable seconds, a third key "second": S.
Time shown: {"hour": 5, "minute": 54}
